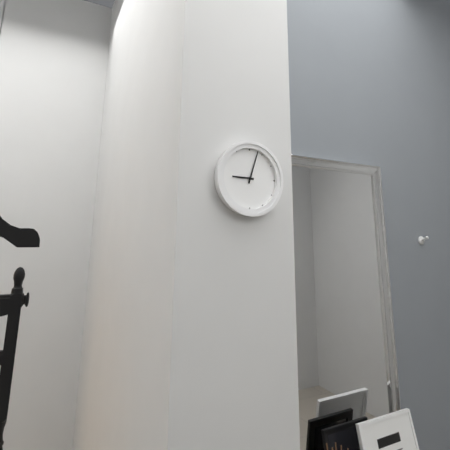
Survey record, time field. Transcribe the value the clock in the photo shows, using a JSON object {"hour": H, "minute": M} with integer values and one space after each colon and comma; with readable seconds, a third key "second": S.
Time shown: {"hour": 9, "minute": 3}
